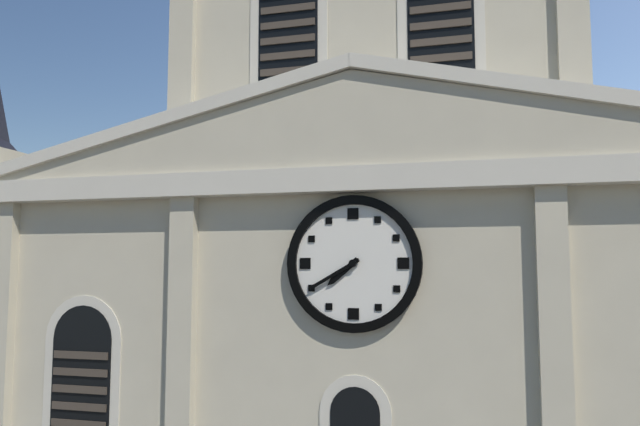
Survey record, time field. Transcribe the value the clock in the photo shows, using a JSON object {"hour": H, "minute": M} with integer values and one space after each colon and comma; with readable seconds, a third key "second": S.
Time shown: {"hour": 7, "minute": 40}
